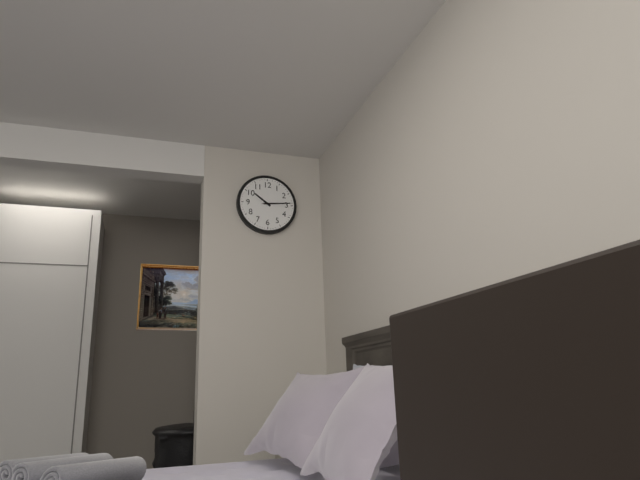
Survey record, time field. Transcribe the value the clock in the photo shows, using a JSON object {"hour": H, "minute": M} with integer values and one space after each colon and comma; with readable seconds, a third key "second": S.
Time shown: {"hour": 10, "minute": 14}
